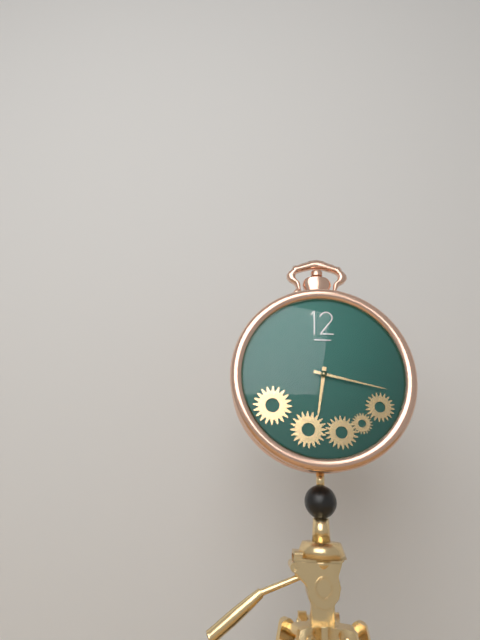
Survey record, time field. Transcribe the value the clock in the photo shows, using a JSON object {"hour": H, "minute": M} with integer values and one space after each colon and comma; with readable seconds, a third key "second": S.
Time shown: {"hour": 6, "minute": 17}
